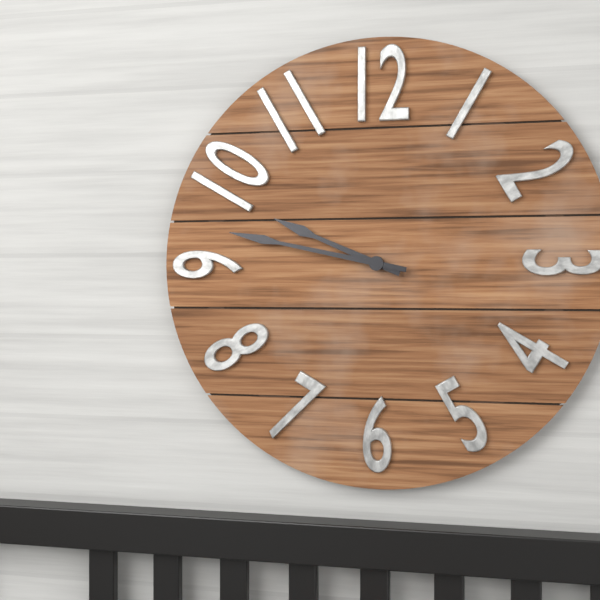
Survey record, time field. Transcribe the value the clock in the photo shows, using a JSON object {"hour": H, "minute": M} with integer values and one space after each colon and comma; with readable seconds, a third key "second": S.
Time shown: {"hour": 9, "minute": 47}
